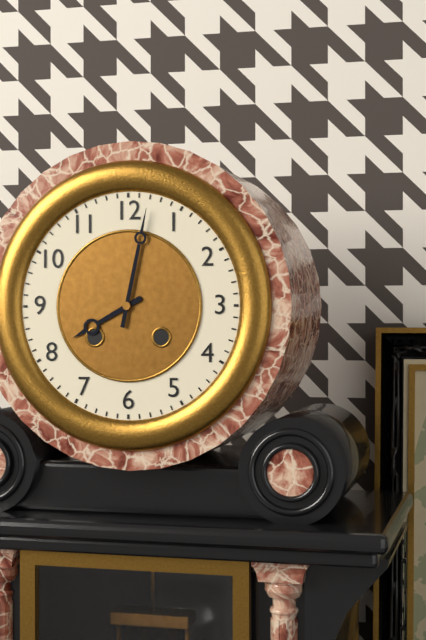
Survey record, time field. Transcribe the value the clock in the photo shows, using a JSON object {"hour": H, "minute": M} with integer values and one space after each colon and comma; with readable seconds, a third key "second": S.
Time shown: {"hour": 8, "minute": 2}
